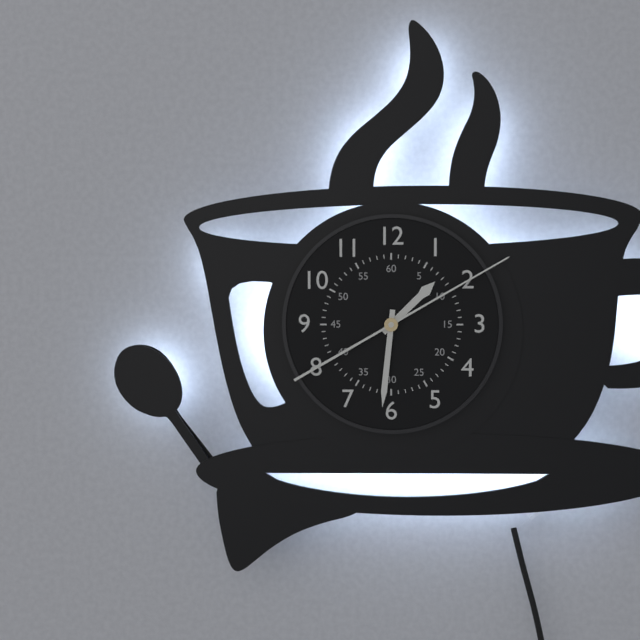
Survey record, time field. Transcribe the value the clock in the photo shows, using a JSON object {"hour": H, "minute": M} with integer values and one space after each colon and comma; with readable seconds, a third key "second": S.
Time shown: {"hour": 1, "minute": 31, "second": 10}
